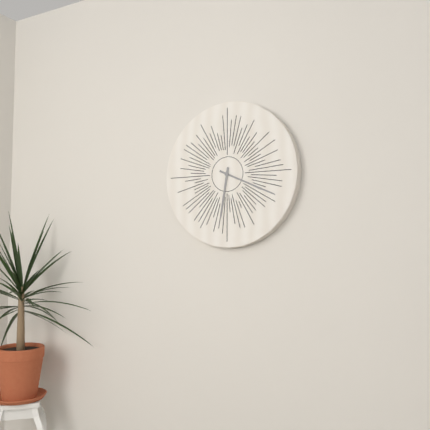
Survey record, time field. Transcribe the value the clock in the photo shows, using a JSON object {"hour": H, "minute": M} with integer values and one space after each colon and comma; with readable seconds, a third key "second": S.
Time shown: {"hour": 6, "minute": 19}
